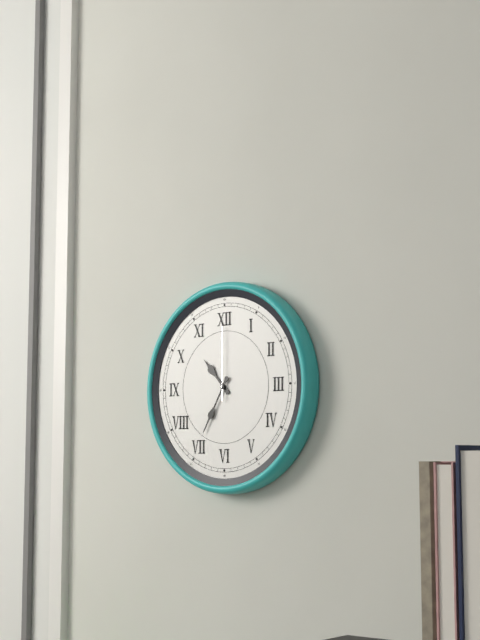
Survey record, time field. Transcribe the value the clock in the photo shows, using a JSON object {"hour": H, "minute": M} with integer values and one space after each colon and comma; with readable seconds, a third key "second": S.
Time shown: {"hour": 10, "minute": 35, "second": 0}
